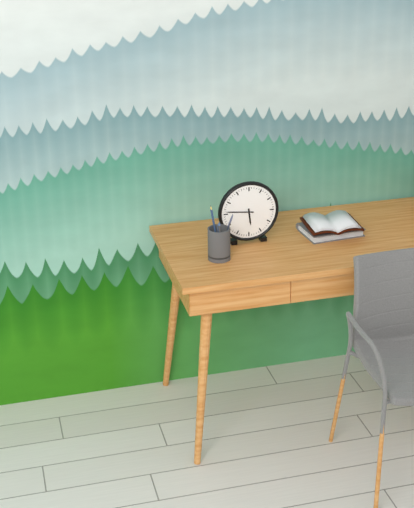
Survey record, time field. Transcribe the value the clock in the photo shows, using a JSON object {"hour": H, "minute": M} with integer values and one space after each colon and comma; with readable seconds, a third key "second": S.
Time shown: {"hour": 5, "minute": 46}
